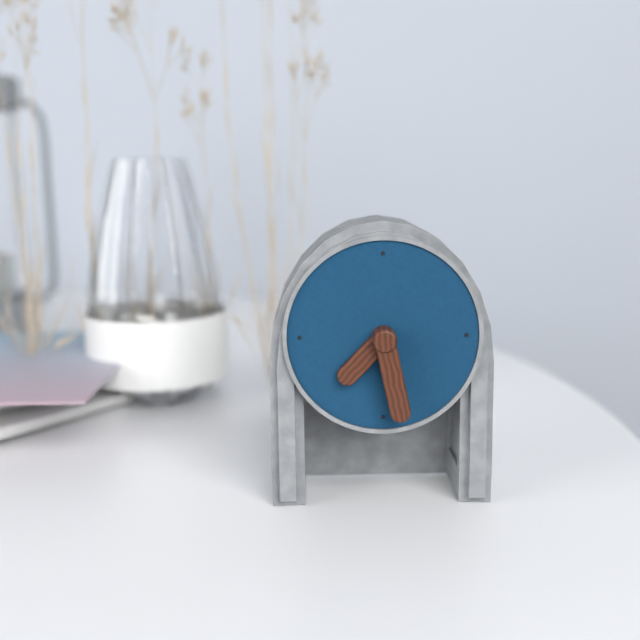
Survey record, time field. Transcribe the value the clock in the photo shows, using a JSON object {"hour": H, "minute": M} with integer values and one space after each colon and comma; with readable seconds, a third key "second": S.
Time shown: {"hour": 7, "minute": 28}
